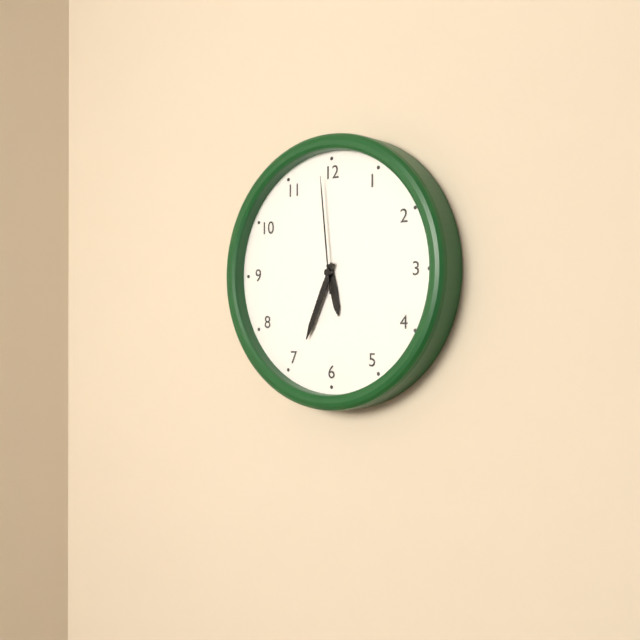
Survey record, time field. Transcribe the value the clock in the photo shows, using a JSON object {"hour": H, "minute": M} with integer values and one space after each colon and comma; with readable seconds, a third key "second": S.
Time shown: {"hour": 5, "minute": 34, "second": 59}
